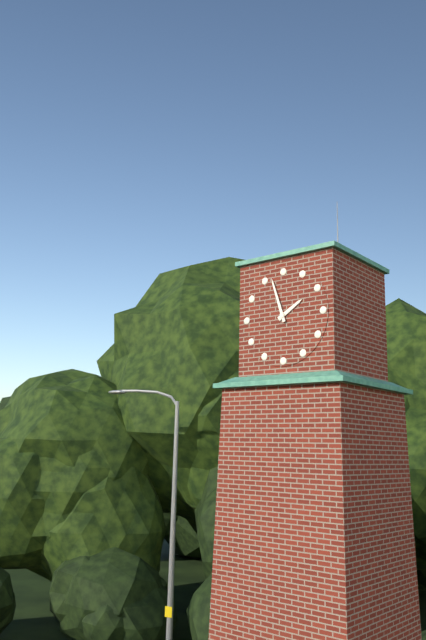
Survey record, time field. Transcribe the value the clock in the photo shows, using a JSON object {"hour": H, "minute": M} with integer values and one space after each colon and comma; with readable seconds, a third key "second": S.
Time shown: {"hour": 1, "minute": 57}
